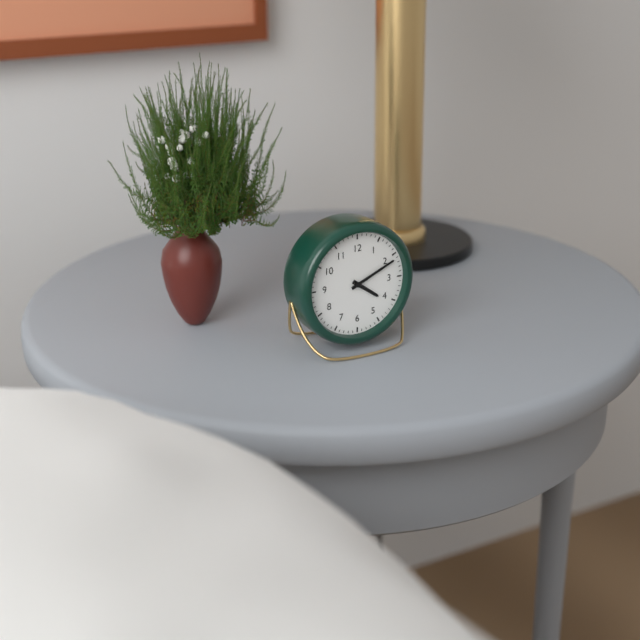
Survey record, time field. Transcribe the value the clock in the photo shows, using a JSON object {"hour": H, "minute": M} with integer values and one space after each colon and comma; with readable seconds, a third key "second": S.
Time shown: {"hour": 4, "minute": 11}
